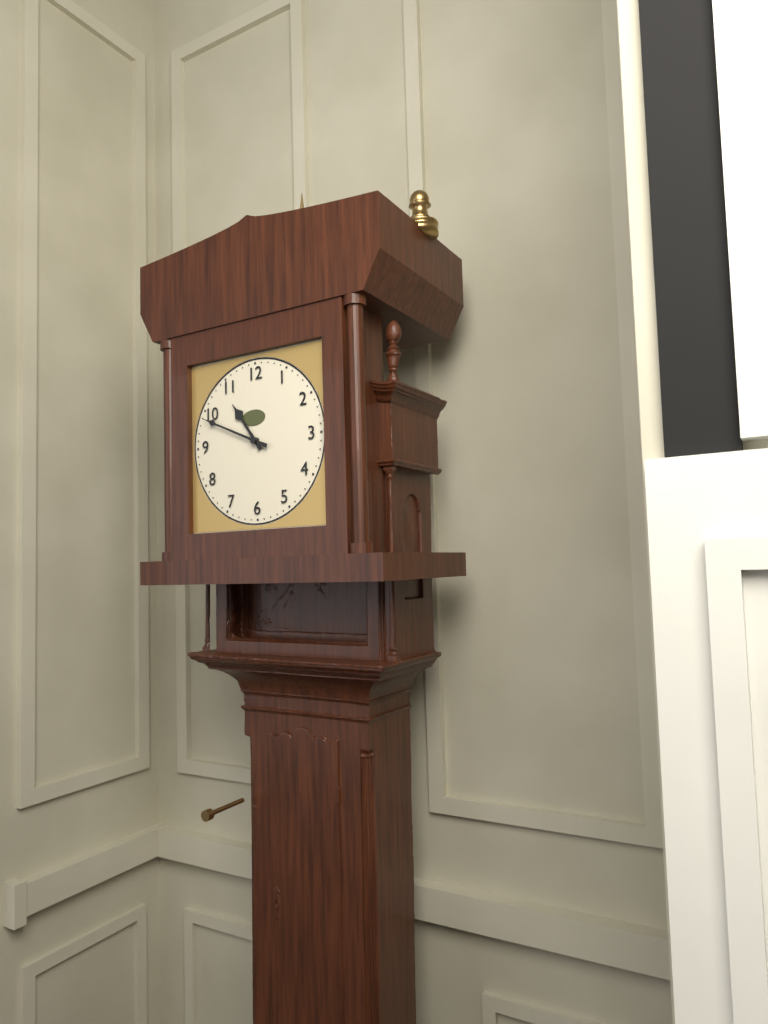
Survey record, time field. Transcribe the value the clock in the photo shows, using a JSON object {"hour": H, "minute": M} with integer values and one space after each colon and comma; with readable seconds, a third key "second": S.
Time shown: {"hour": 10, "minute": 49}
